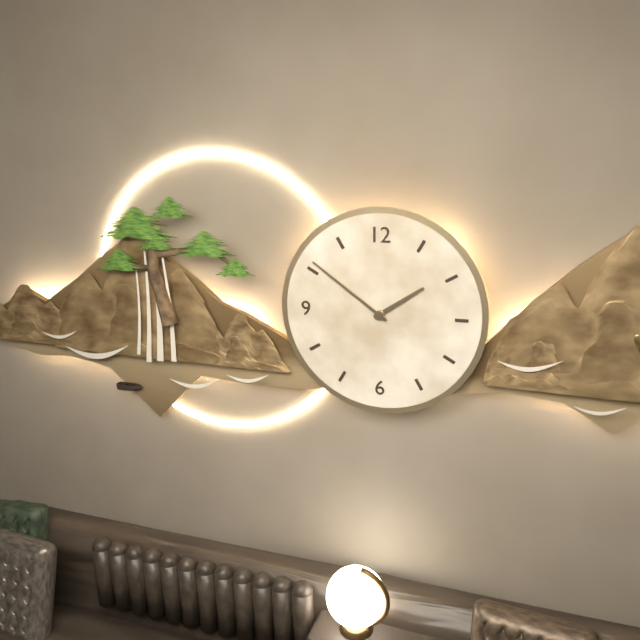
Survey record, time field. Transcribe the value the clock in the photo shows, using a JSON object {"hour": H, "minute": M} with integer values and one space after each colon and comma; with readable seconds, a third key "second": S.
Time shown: {"hour": 1, "minute": 51}
